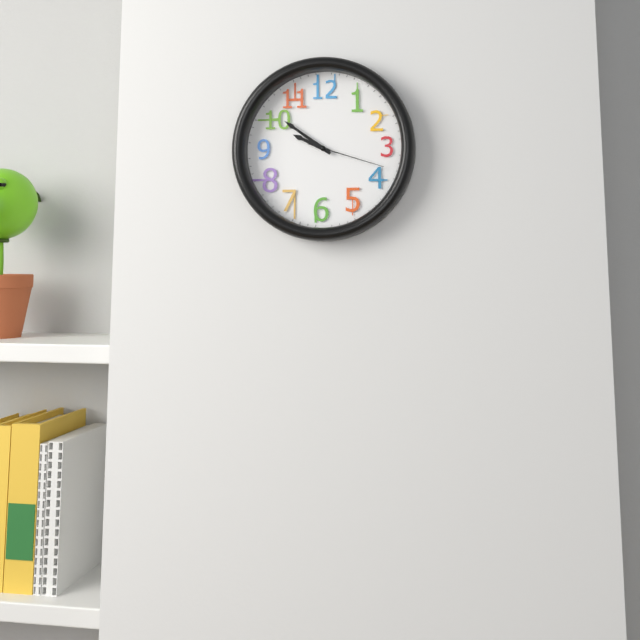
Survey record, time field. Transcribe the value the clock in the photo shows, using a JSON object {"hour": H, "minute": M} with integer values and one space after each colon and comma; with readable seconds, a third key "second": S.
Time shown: {"hour": 9, "minute": 51, "second": 18}
